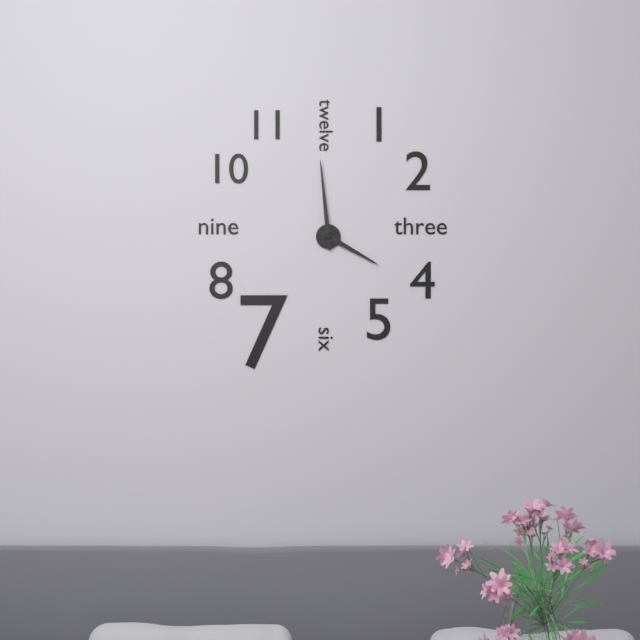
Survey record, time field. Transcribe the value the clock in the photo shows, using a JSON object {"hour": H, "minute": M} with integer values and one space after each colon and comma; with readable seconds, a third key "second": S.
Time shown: {"hour": 3, "minute": 59}
